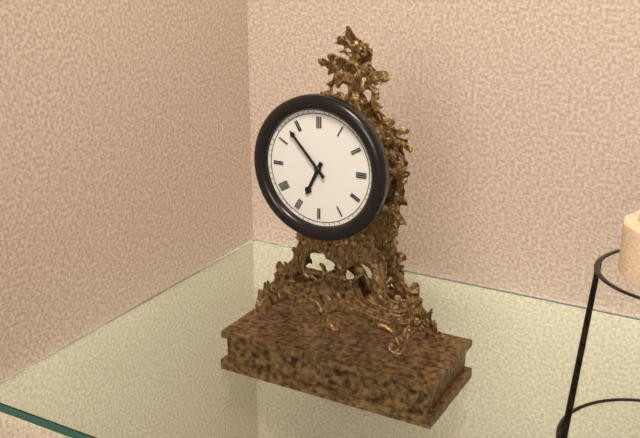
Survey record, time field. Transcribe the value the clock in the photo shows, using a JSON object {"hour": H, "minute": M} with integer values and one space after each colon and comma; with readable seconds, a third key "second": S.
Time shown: {"hour": 6, "minute": 53}
